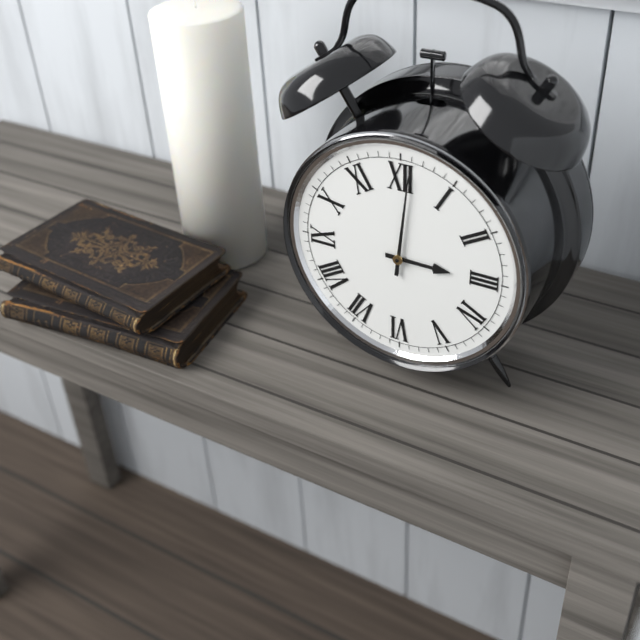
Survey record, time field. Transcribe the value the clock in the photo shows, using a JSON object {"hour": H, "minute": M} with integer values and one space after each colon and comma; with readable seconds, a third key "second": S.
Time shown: {"hour": 3, "minute": 1}
